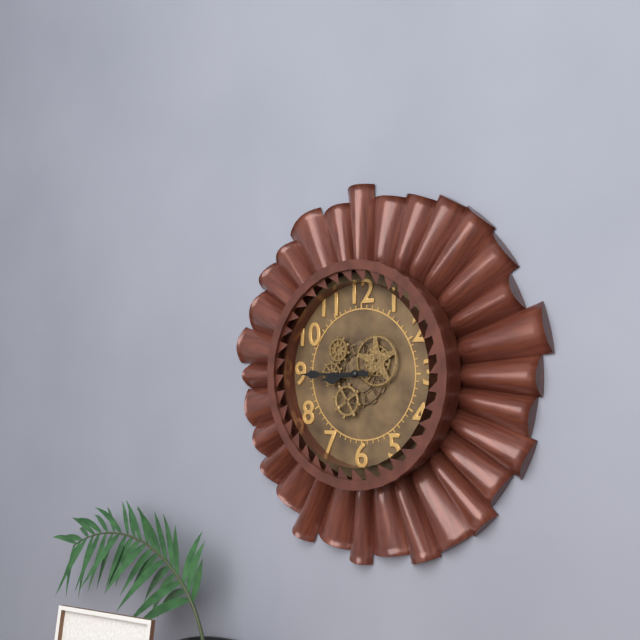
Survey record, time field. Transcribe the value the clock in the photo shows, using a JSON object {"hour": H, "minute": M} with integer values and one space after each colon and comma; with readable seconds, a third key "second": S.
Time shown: {"hour": 8, "minute": 45}
